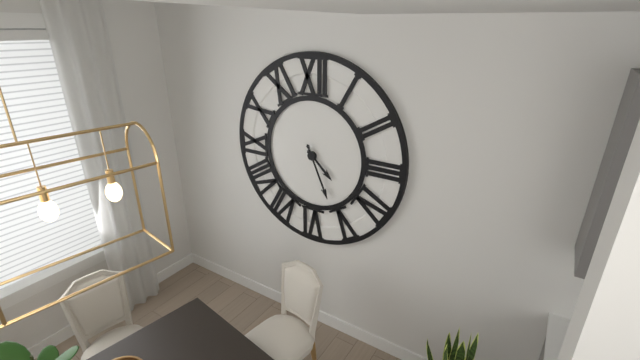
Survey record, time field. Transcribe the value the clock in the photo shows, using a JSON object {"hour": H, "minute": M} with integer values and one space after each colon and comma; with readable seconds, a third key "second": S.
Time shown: {"hour": 4, "minute": 26}
